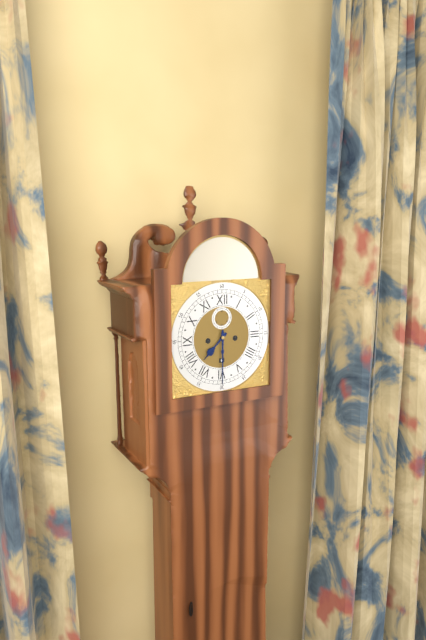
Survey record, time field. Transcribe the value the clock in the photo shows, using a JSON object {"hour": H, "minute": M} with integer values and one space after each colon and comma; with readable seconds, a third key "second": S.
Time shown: {"hour": 7, "minute": 30}
